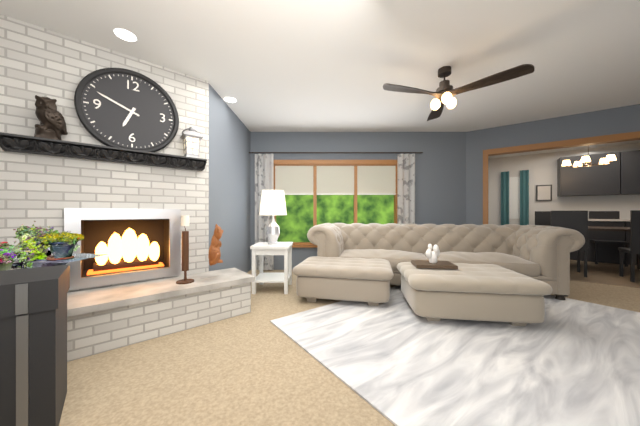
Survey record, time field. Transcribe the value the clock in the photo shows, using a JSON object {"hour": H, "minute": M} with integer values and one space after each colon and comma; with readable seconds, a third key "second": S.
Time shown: {"hour": 6, "minute": 49}
